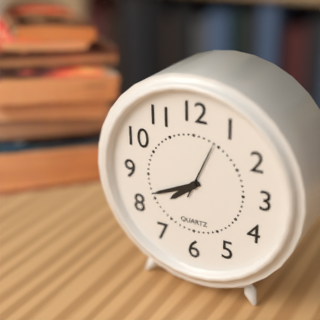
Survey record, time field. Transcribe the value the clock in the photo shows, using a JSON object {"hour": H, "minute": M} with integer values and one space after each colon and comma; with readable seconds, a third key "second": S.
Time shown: {"hour": 7, "minute": 41, "second": 4}
